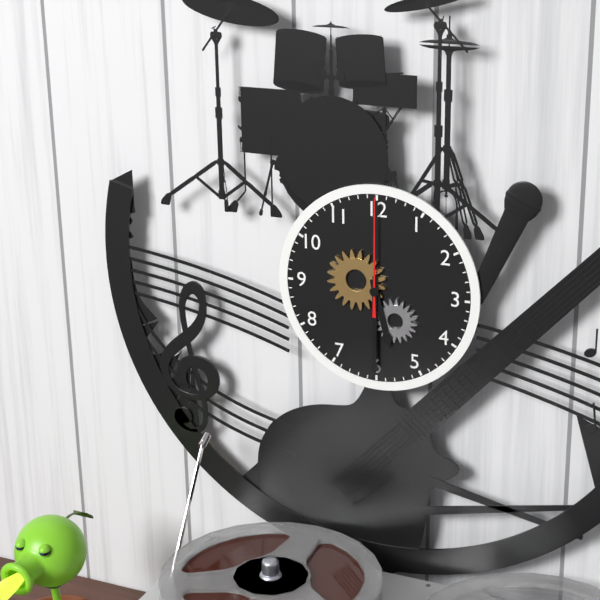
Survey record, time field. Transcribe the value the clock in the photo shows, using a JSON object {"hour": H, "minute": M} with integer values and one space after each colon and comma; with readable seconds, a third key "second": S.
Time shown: {"hour": 5, "minute": 30, "second": 0}
